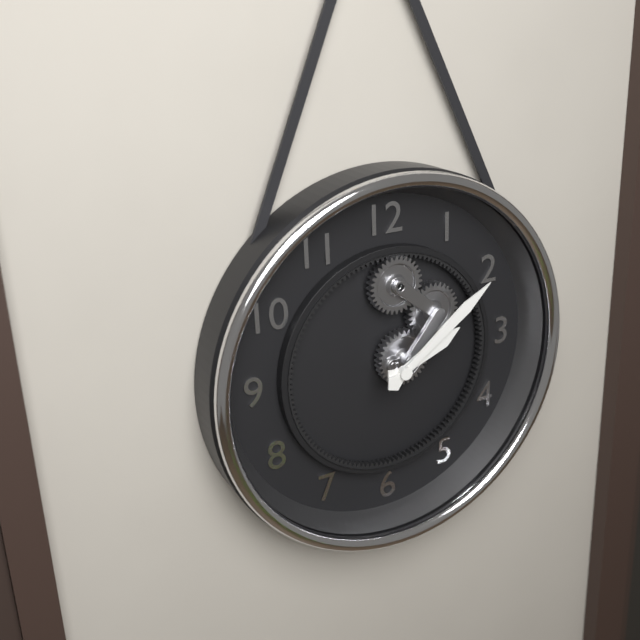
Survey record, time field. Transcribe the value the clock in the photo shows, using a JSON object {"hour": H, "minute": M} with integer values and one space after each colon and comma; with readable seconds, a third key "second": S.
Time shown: {"hour": 2, "minute": 9}
